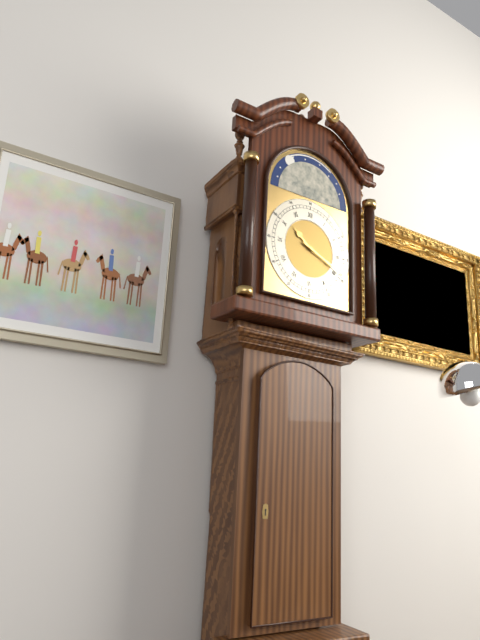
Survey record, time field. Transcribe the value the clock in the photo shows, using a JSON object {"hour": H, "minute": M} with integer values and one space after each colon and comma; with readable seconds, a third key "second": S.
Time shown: {"hour": 10, "minute": 19}
